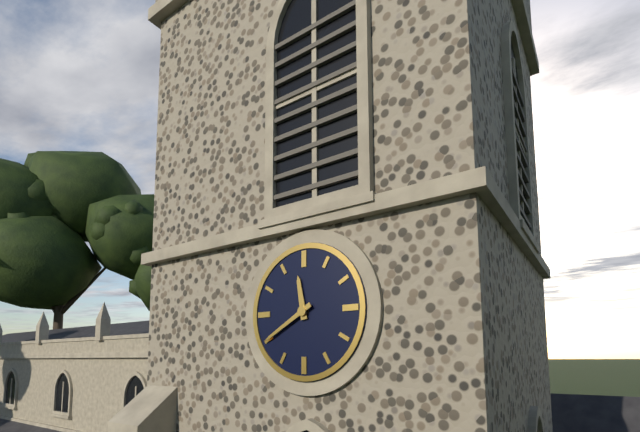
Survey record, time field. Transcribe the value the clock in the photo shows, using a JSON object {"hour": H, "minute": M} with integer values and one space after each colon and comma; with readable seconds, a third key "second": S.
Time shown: {"hour": 11, "minute": 40}
